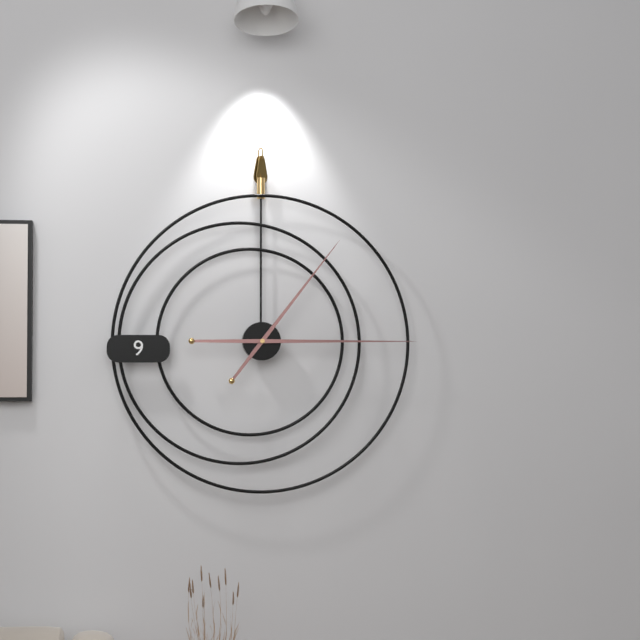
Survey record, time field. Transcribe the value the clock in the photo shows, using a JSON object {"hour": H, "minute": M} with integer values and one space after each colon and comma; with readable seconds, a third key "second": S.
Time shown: {"hour": 1, "minute": 15}
